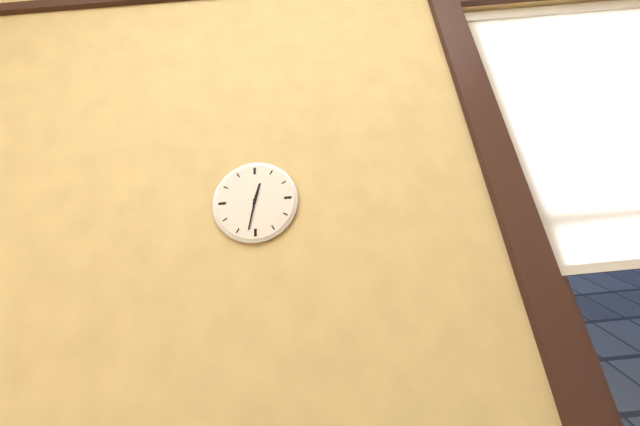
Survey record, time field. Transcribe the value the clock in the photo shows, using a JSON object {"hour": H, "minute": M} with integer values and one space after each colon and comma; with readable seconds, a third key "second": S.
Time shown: {"hour": 12, "minute": 32}
